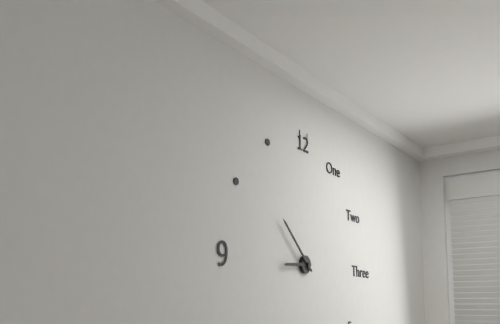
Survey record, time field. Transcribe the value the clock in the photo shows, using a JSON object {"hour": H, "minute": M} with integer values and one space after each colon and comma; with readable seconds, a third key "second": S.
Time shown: {"hour": 8, "minute": 52}
